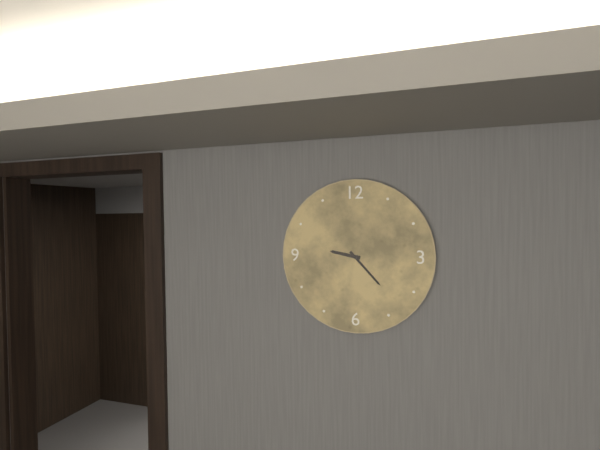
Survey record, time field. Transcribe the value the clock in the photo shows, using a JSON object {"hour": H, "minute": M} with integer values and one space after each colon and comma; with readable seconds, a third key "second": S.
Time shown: {"hour": 9, "minute": 23}
